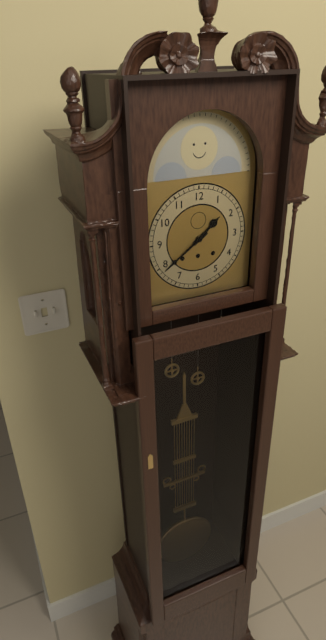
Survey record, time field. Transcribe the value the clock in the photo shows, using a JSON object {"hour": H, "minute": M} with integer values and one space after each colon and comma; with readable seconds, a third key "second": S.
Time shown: {"hour": 1, "minute": 39}
